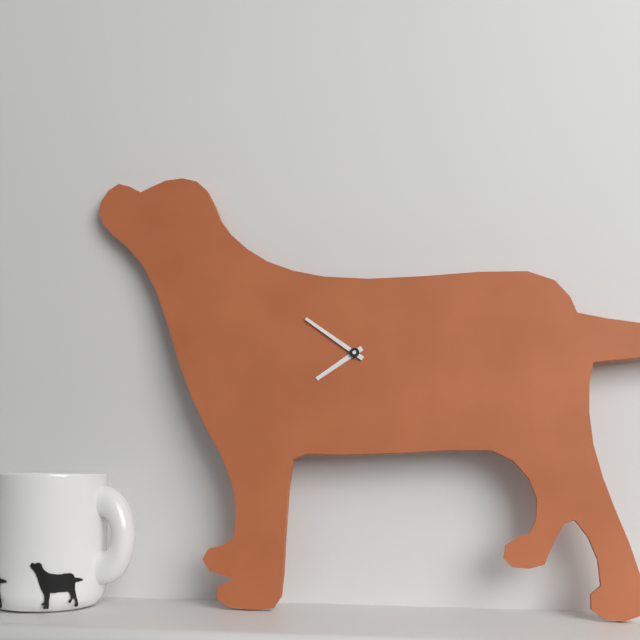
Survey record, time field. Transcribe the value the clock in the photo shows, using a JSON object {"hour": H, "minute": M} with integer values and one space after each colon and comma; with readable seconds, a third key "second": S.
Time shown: {"hour": 7, "minute": 51}
